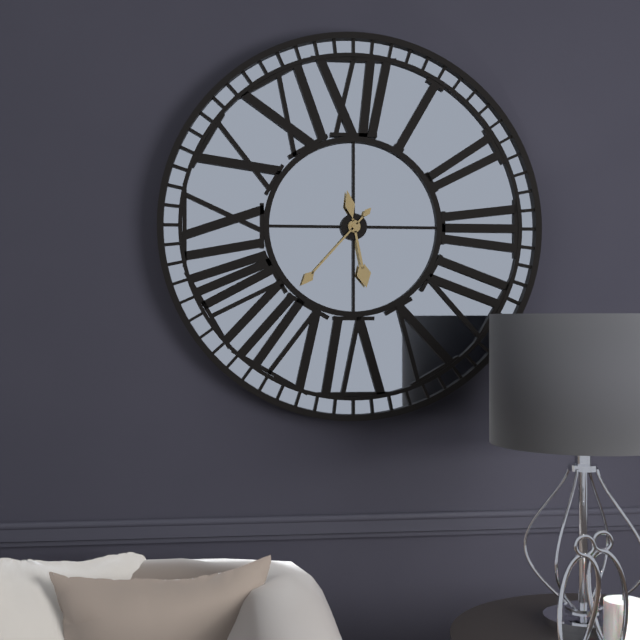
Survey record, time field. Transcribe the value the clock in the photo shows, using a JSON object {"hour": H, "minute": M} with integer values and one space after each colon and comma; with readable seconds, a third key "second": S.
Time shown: {"hour": 5, "minute": 37}
